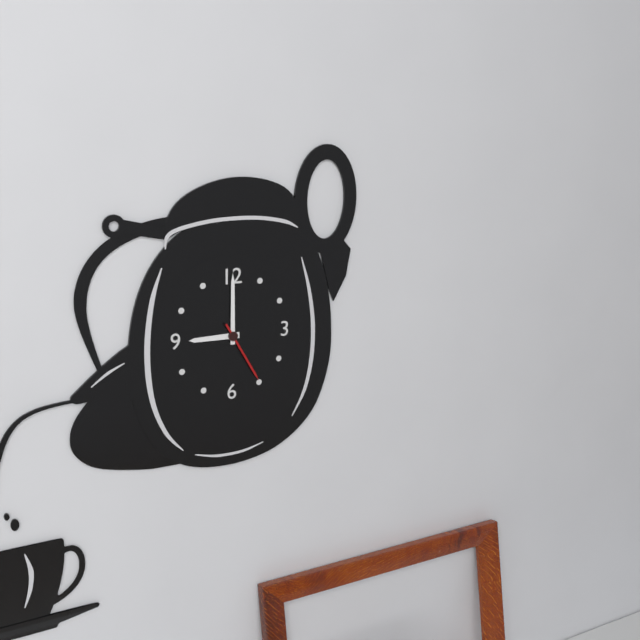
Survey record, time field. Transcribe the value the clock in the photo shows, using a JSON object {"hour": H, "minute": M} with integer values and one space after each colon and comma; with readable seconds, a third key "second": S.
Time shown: {"hour": 9, "minute": 0, "second": 25}
